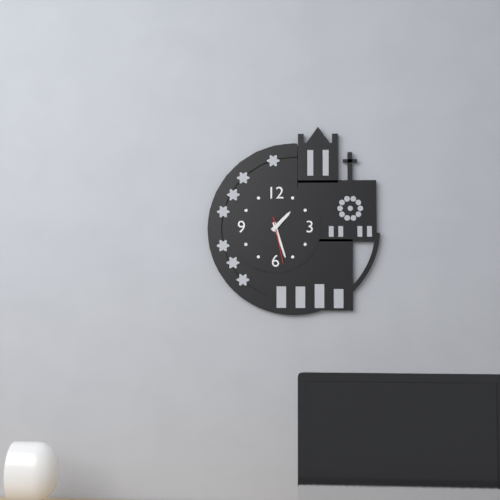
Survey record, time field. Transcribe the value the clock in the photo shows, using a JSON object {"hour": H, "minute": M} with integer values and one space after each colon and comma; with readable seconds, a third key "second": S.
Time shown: {"hour": 1, "minute": 27}
